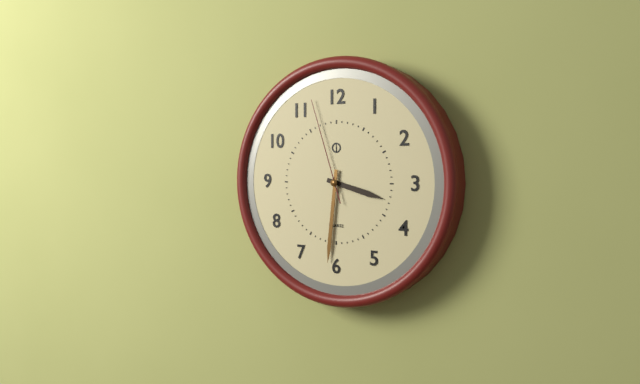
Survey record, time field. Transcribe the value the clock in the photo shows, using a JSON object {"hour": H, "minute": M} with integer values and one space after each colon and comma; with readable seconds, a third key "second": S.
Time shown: {"hour": 3, "minute": 31, "second": 57}
